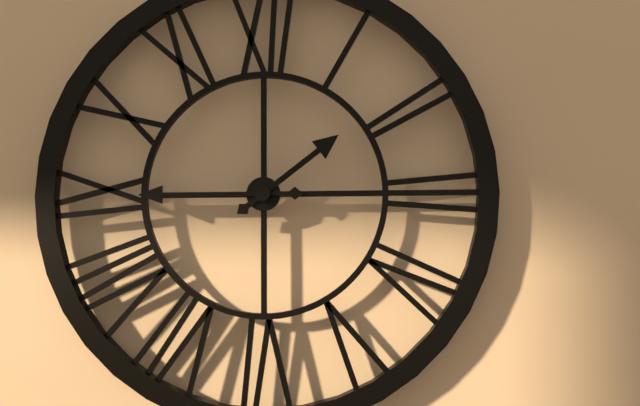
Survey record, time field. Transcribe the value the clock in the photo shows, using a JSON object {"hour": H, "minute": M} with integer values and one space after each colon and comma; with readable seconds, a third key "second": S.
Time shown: {"hour": 1, "minute": 45}
